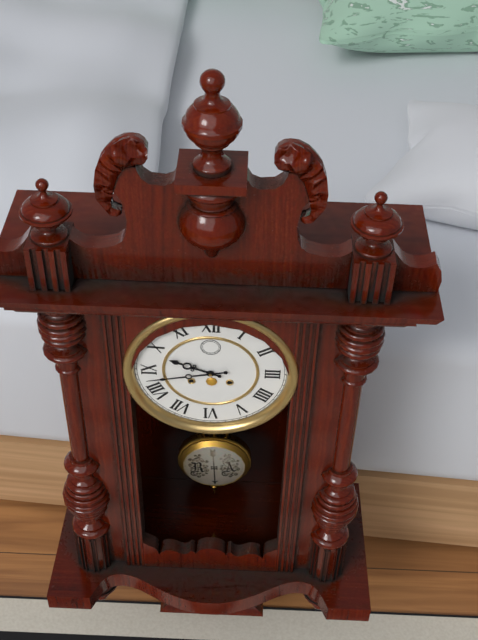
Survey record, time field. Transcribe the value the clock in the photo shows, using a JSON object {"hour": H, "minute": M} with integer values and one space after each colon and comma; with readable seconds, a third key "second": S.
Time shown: {"hour": 9, "minute": 43}
